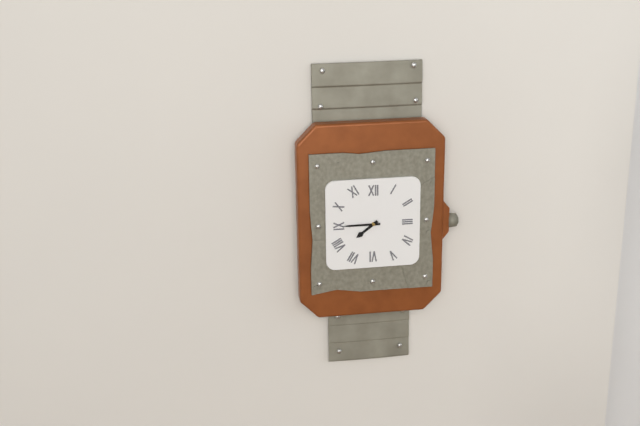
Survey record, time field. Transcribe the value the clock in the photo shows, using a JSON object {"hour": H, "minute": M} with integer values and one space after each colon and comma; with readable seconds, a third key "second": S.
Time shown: {"hour": 7, "minute": 45}
